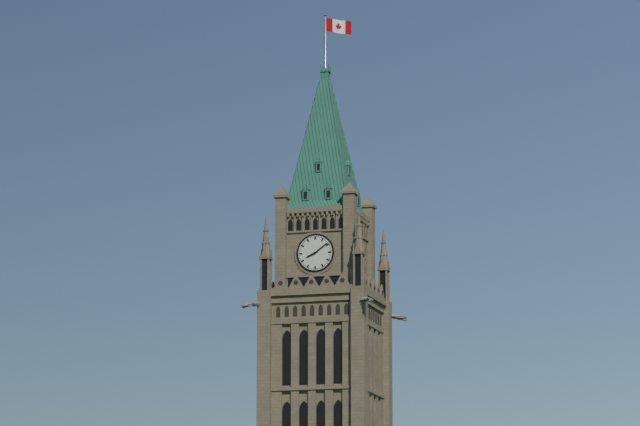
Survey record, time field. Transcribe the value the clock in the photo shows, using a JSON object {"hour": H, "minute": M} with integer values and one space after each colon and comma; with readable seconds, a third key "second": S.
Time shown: {"hour": 8, "minute": 9}
